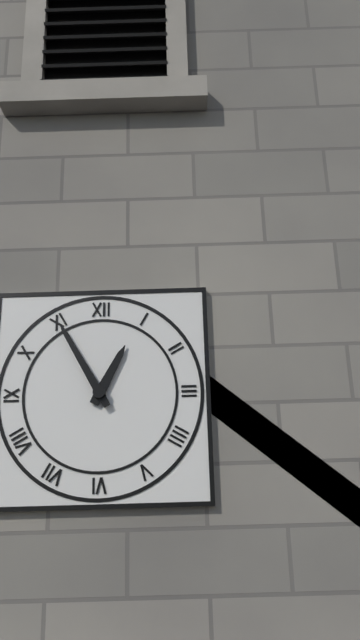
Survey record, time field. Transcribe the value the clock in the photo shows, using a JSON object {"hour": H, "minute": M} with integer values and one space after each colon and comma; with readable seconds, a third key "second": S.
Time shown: {"hour": 12, "minute": 55}
